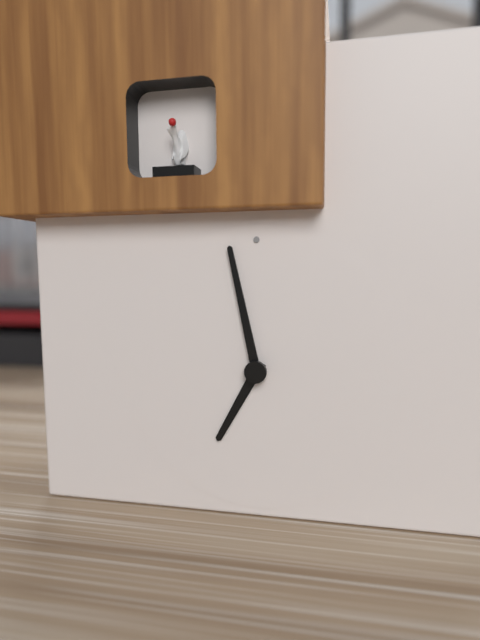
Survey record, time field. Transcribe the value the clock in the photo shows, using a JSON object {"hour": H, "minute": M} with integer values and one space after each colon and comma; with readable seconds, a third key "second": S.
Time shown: {"hour": 6, "minute": 58}
